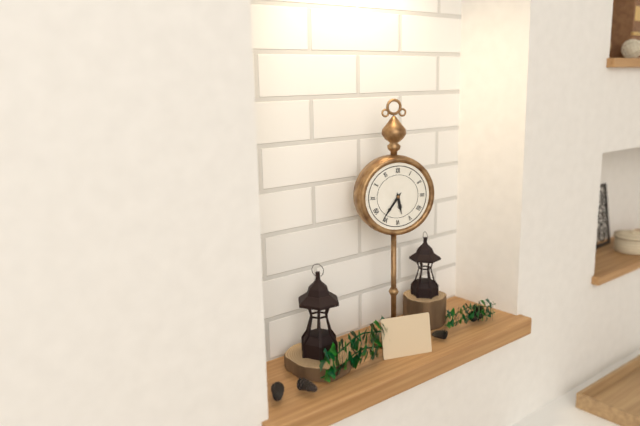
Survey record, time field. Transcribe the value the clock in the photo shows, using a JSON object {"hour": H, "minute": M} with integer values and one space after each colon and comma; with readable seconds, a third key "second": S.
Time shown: {"hour": 5, "minute": 36}
